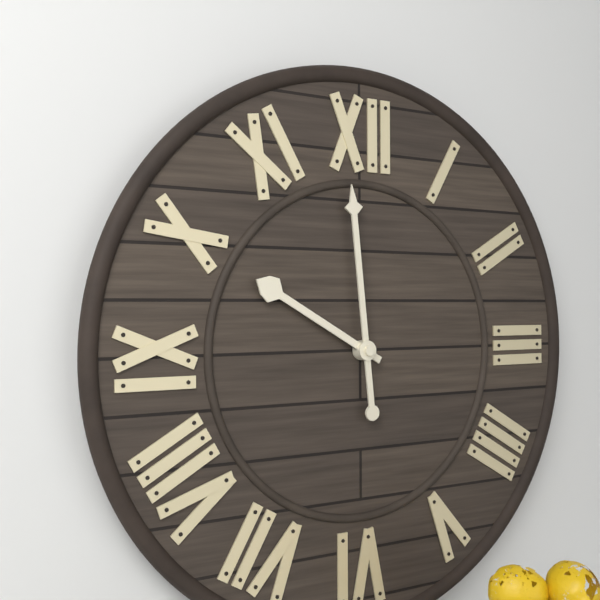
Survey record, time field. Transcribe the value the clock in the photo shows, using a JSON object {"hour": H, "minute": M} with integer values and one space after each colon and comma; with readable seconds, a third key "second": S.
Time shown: {"hour": 9, "minute": 59}
